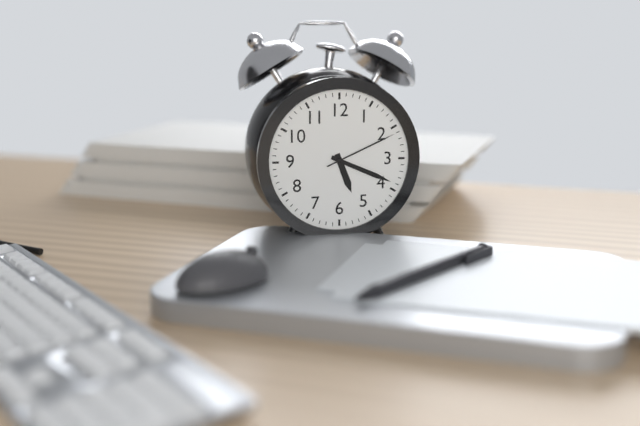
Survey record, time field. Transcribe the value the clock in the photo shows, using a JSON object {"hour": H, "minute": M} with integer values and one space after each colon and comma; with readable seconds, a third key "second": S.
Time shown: {"hour": 5, "minute": 19, "second": 11}
